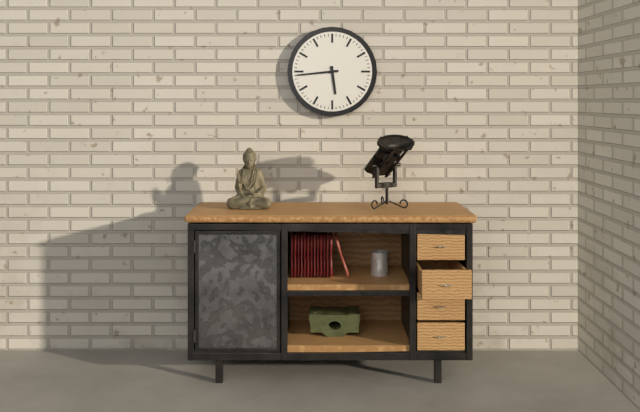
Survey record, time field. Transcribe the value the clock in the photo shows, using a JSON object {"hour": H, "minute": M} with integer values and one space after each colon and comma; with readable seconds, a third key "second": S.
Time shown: {"hour": 5, "minute": 44}
